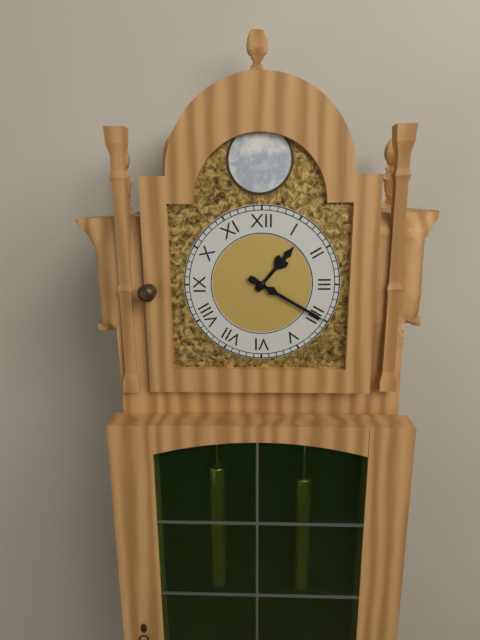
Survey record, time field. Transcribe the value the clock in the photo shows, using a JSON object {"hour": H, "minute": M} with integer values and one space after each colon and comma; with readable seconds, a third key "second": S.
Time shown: {"hour": 1, "minute": 20}
